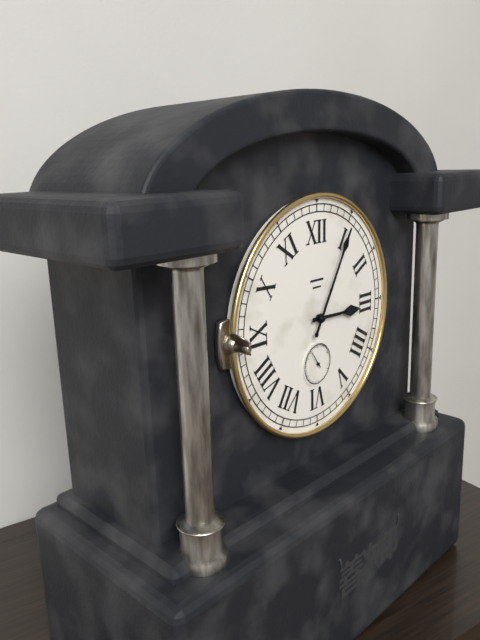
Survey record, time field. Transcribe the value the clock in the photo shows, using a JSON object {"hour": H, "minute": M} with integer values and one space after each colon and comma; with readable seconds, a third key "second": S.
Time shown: {"hour": 3, "minute": 5}
